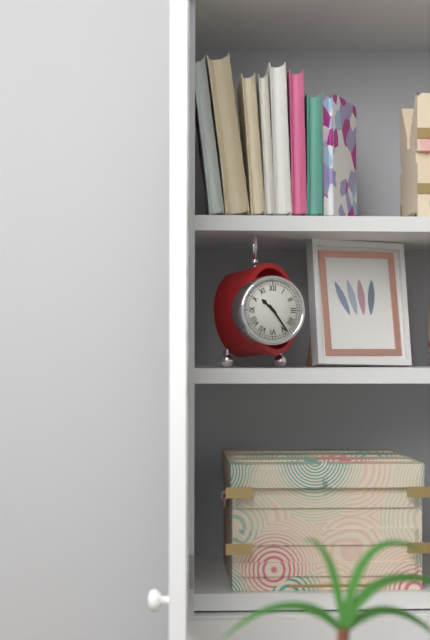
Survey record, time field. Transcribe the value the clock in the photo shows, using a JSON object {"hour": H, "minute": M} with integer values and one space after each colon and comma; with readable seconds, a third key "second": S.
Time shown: {"hour": 10, "minute": 24}
